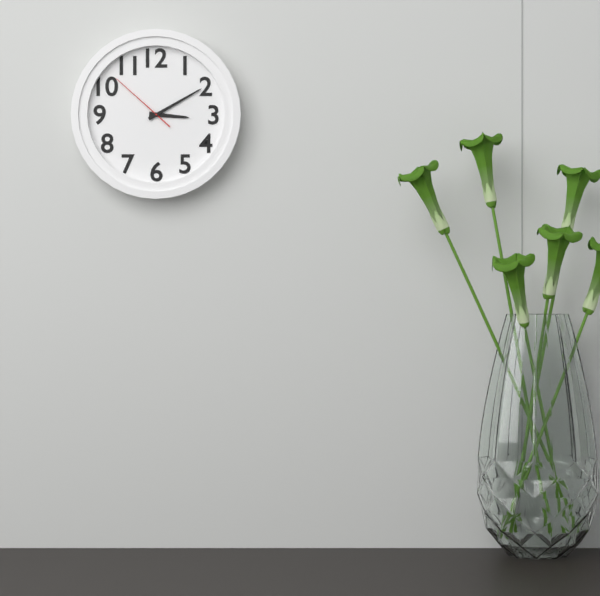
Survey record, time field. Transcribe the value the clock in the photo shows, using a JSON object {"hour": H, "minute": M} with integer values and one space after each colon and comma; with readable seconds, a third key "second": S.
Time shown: {"hour": 3, "minute": 10, "second": 52}
